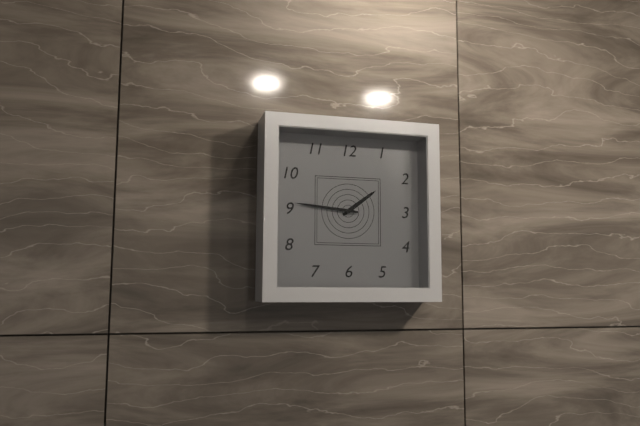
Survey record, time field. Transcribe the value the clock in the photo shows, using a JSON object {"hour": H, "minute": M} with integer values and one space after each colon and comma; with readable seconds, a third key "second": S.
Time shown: {"hour": 1, "minute": 46}
